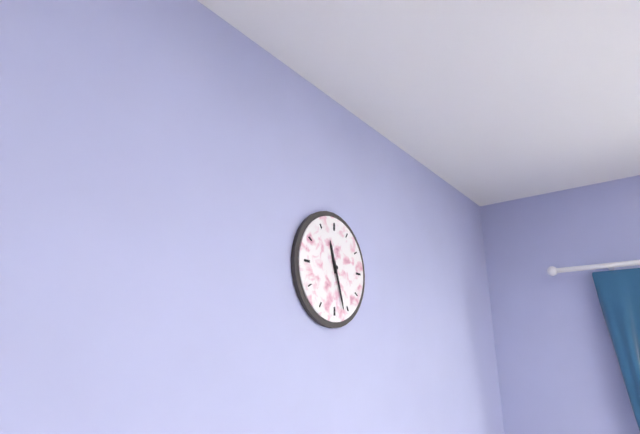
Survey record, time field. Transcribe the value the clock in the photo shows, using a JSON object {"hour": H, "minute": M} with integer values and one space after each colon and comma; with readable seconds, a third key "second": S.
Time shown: {"hour": 11, "minute": 27}
